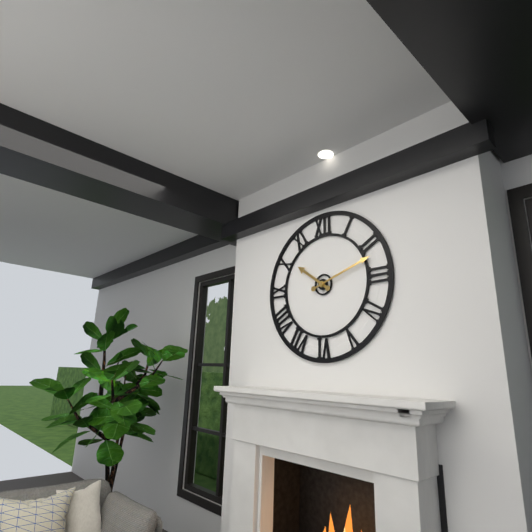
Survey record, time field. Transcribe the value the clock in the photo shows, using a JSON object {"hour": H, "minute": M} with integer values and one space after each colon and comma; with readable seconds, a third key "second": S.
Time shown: {"hour": 10, "minute": 12}
